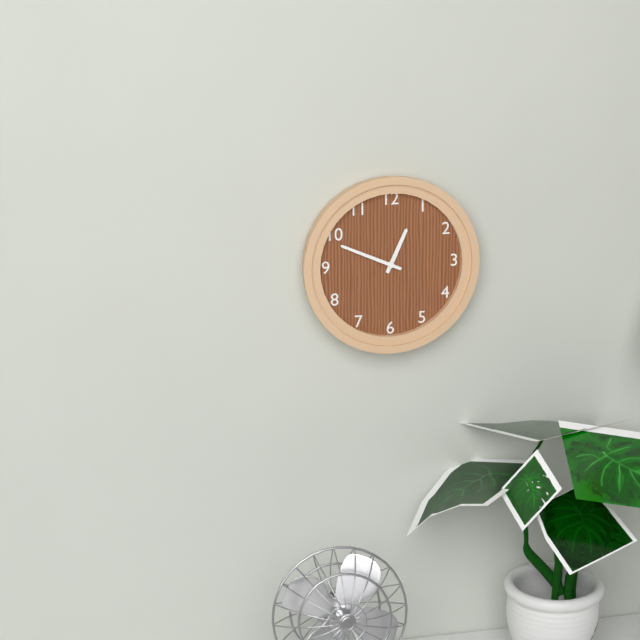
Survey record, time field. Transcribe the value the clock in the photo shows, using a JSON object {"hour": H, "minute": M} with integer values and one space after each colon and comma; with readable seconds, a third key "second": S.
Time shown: {"hour": 12, "minute": 49}
